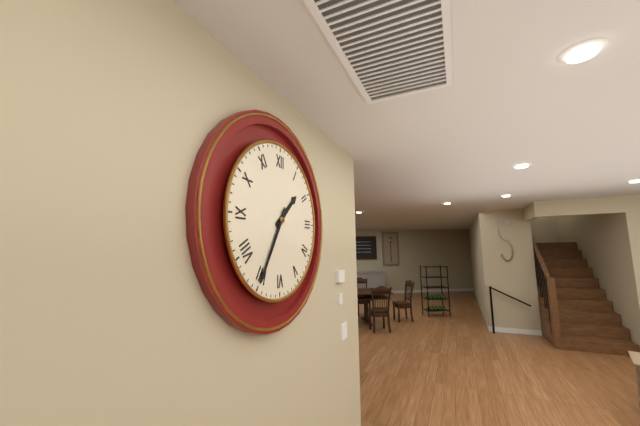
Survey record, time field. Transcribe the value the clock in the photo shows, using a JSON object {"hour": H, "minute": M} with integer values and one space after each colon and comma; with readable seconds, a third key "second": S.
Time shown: {"hour": 1, "minute": 35}
